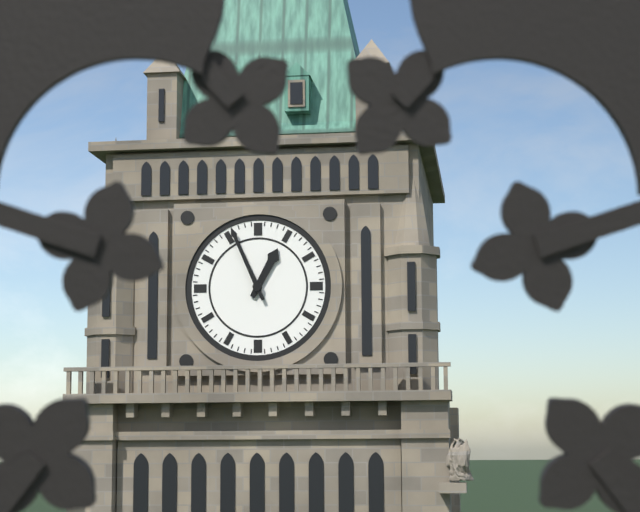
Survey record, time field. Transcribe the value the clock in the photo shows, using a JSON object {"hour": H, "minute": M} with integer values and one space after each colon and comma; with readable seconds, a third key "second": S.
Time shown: {"hour": 12, "minute": 56}
